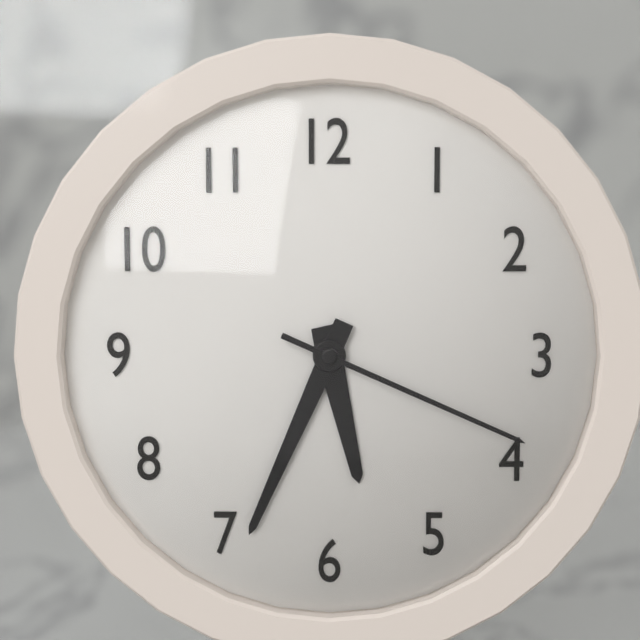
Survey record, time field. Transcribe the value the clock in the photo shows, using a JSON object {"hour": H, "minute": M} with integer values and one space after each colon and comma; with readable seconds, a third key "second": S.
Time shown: {"hour": 5, "minute": 34, "second": 19}
